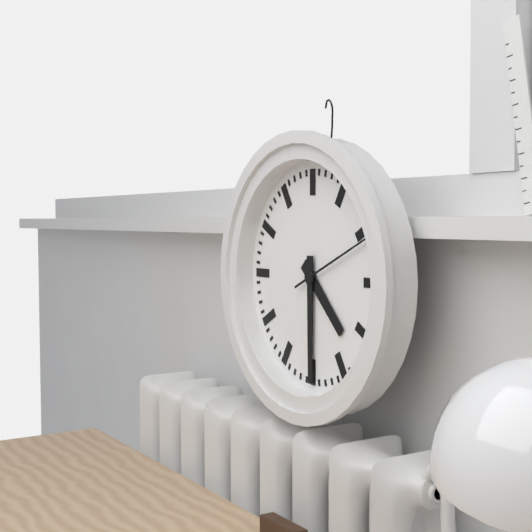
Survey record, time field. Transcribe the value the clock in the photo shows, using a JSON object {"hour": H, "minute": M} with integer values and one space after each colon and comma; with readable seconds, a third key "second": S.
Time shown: {"hour": 4, "minute": 30, "second": 11}
